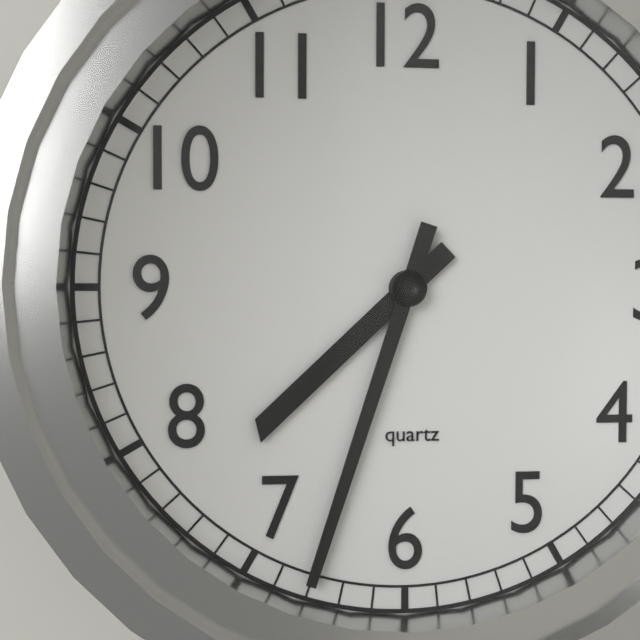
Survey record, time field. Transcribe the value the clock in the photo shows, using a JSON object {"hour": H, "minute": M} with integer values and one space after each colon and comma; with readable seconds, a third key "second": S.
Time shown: {"hour": 7, "minute": 33}
